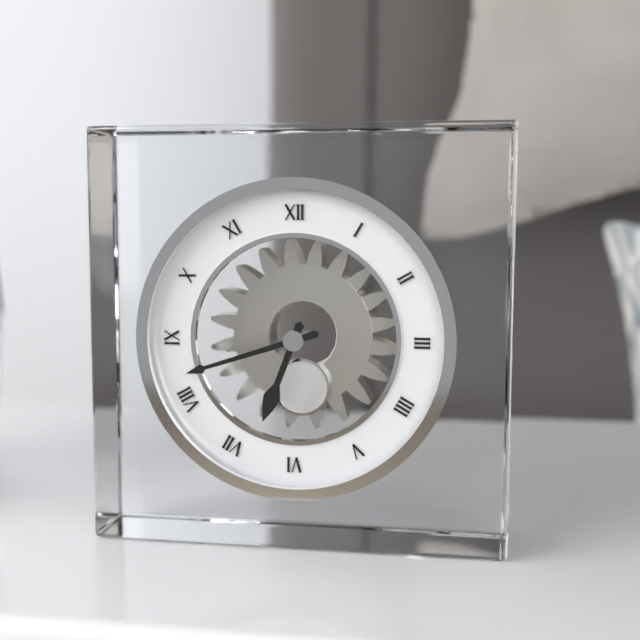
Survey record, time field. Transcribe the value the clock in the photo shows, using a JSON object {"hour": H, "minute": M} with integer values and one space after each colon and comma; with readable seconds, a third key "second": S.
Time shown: {"hour": 6, "minute": 42}
